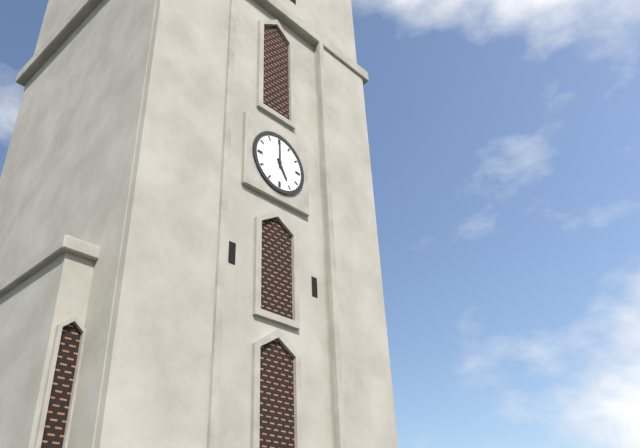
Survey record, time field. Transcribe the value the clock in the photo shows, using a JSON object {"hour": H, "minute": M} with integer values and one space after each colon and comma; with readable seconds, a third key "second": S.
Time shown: {"hour": 5, "minute": 0}
